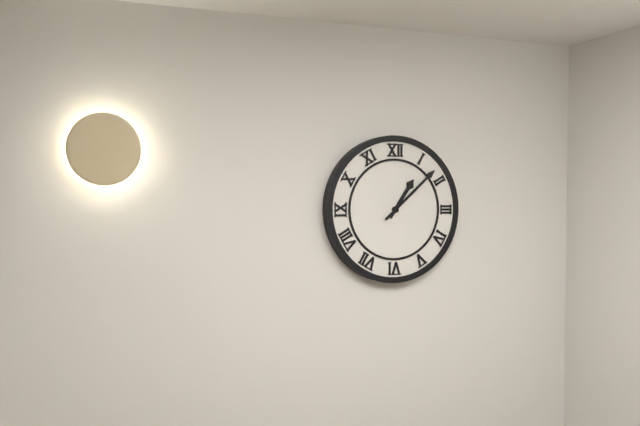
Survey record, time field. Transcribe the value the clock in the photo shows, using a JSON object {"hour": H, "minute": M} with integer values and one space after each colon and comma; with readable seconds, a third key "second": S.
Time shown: {"hour": 1, "minute": 8}
